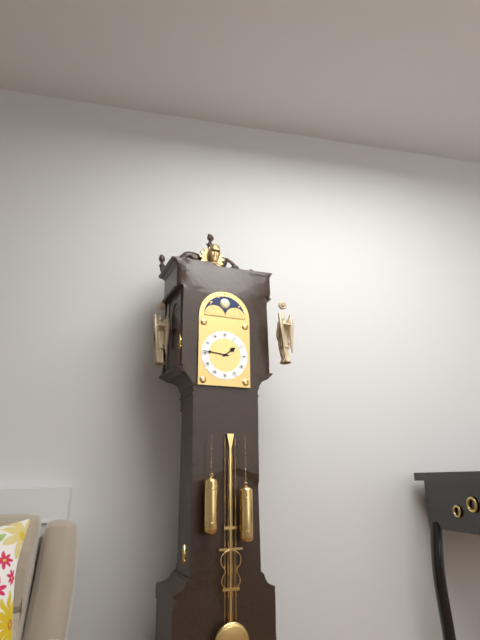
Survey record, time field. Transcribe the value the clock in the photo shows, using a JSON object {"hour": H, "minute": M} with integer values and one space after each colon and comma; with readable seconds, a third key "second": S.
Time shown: {"hour": 1, "minute": 46}
